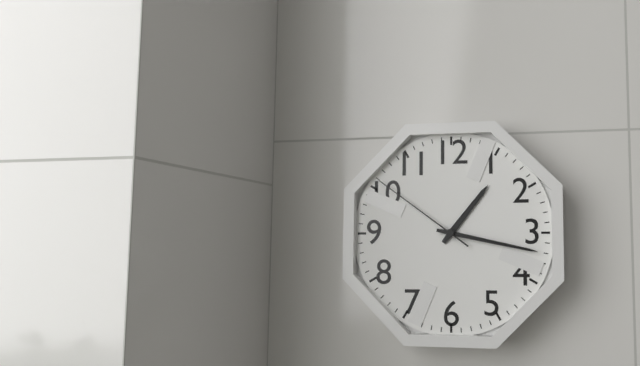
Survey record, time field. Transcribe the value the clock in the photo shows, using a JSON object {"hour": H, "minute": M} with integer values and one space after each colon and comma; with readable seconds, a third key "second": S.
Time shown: {"hour": 1, "minute": 17, "second": 51}
